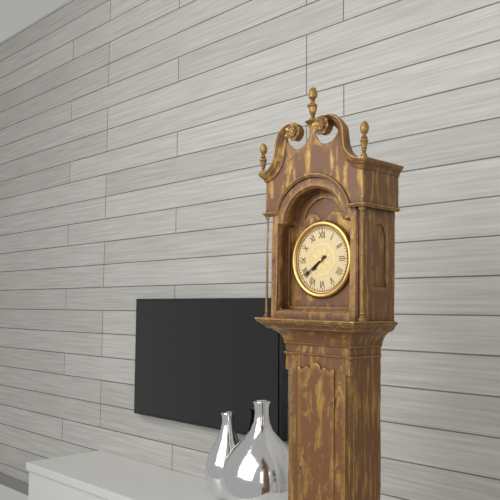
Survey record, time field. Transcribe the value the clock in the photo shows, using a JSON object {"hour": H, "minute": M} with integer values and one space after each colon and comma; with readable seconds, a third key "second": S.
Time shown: {"hour": 7, "minute": 39}
